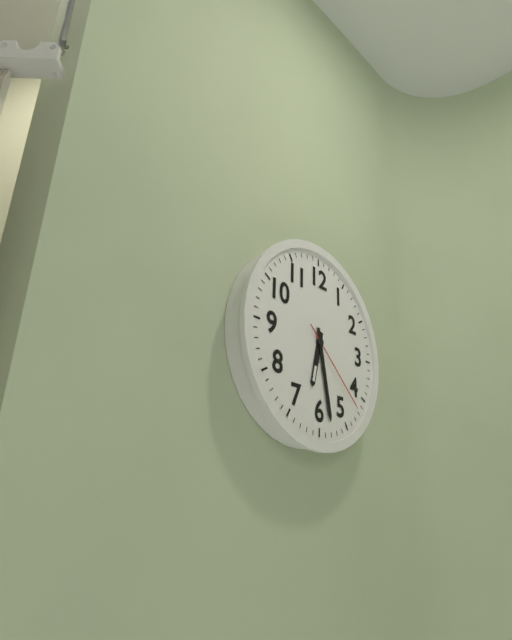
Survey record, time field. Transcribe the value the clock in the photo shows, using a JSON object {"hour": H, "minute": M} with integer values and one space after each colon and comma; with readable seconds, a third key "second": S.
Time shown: {"hour": 6, "minute": 28, "second": 22}
